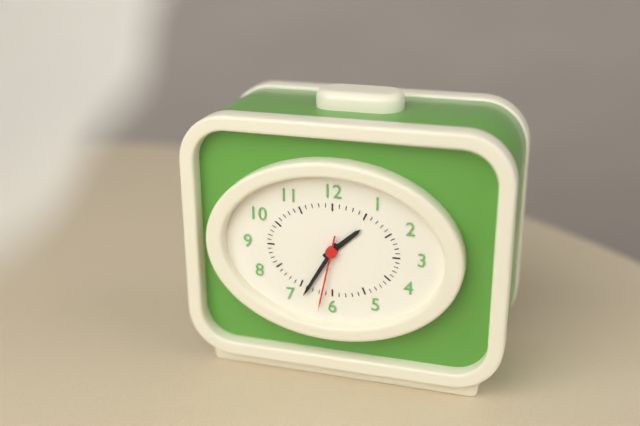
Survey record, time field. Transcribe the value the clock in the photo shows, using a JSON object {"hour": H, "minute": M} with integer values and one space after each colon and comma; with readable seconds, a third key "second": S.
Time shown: {"hour": 1, "minute": 35, "second": 32}
